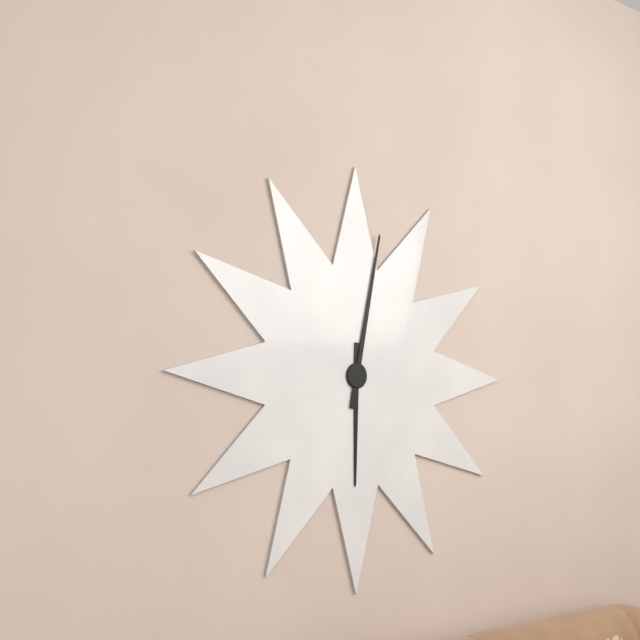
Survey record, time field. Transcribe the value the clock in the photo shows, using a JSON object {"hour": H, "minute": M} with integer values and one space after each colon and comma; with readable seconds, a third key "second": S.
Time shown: {"hour": 6, "minute": 2}
